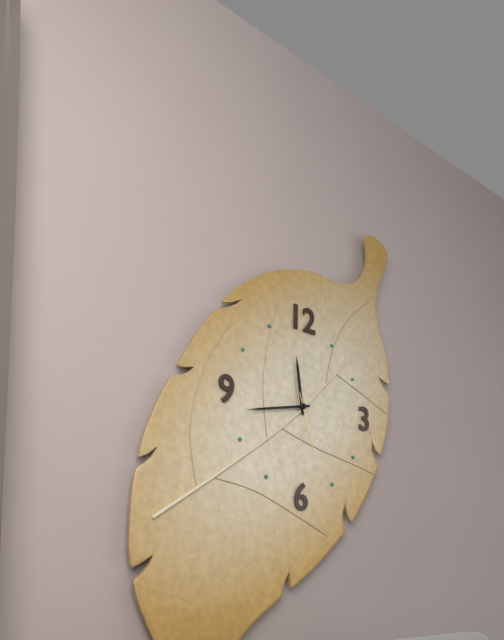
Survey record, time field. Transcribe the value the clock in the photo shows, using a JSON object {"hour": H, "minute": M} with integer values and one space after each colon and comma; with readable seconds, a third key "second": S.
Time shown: {"hour": 11, "minute": 43, "second": 27}
